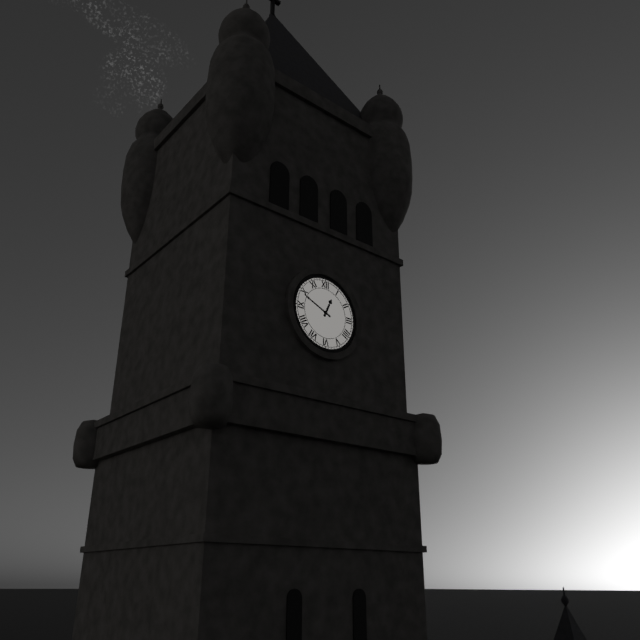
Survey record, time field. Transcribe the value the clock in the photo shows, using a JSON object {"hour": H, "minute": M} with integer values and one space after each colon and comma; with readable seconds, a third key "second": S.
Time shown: {"hour": 12, "minute": 49}
